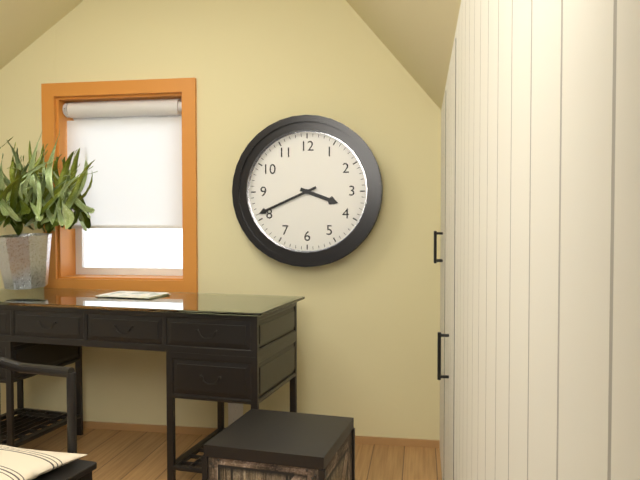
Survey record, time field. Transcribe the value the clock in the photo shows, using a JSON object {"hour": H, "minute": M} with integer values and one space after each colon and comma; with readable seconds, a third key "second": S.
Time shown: {"hour": 3, "minute": 41}
